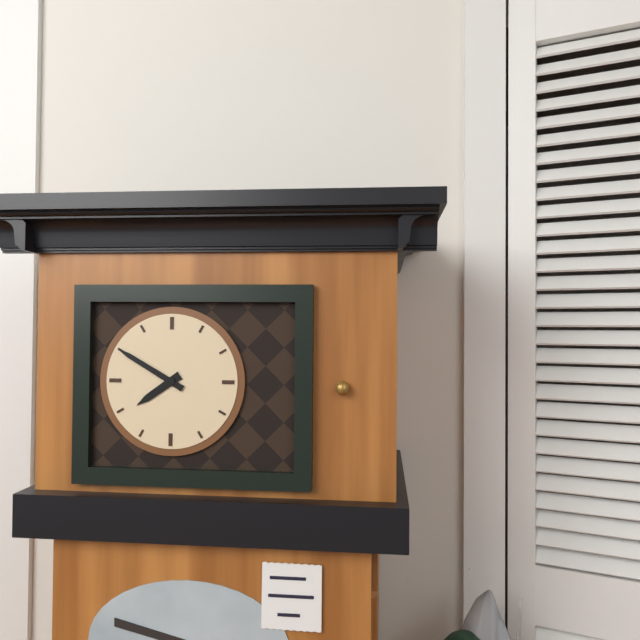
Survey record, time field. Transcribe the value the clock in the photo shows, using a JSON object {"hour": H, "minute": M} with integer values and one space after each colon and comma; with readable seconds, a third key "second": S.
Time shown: {"hour": 7, "minute": 50}
